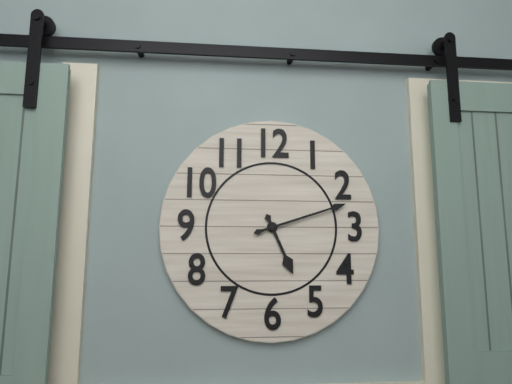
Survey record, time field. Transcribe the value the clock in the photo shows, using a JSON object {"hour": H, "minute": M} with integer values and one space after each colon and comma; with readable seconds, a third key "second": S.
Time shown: {"hour": 5, "minute": 12}
